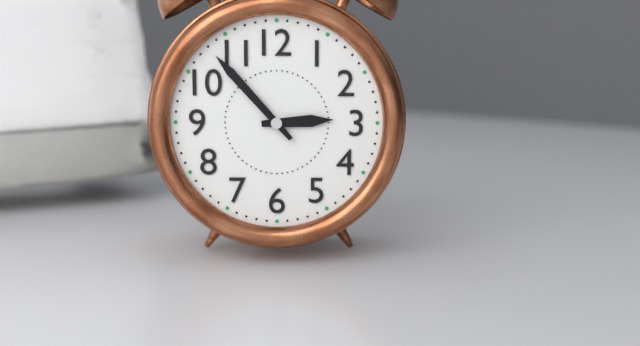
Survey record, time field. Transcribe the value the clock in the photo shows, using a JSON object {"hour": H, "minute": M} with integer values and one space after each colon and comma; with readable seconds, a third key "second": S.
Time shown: {"hour": 2, "minute": 53}
